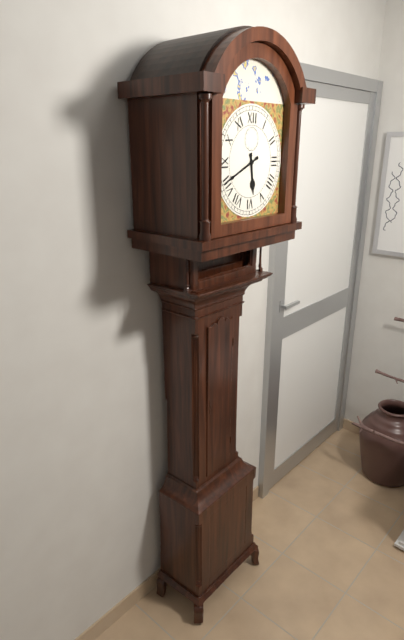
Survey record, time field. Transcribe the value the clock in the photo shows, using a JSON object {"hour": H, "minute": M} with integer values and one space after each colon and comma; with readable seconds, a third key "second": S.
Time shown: {"hour": 5, "minute": 41}
